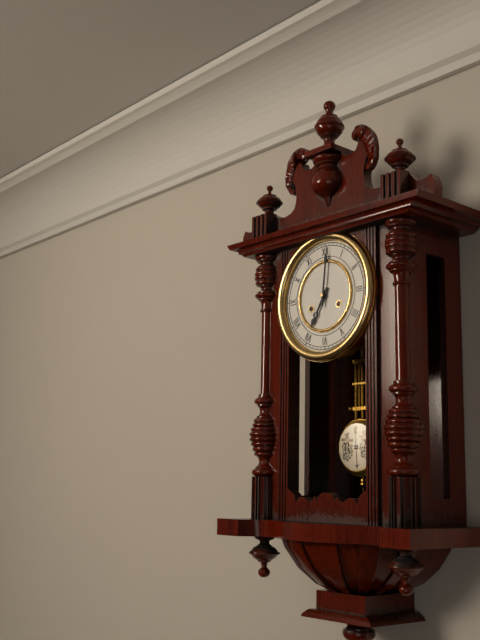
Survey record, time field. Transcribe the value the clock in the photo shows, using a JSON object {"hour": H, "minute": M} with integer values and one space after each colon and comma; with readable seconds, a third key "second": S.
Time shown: {"hour": 7, "minute": 1}
